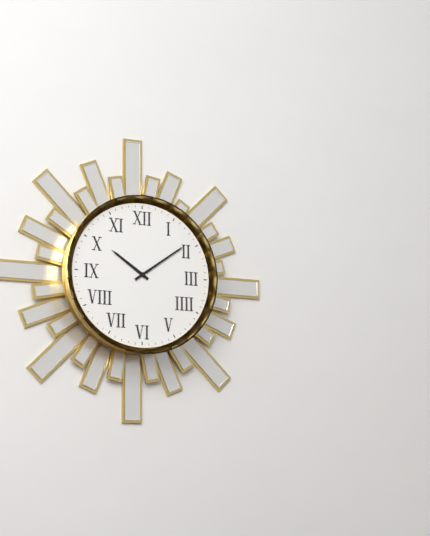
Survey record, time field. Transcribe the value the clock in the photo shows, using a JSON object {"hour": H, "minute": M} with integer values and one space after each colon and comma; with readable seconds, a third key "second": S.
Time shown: {"hour": 10, "minute": 9}
